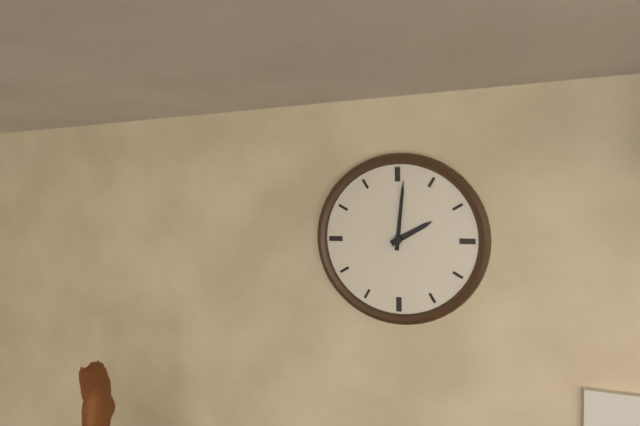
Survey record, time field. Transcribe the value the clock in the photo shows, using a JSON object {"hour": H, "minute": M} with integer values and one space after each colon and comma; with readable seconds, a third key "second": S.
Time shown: {"hour": 2, "minute": 1}
